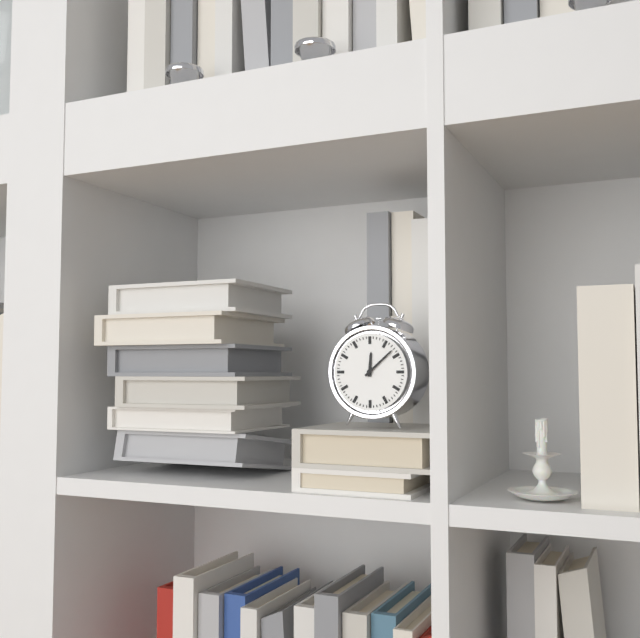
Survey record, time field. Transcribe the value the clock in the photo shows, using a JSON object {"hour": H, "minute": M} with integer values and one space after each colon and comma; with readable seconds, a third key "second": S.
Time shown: {"hour": 12, "minute": 8}
